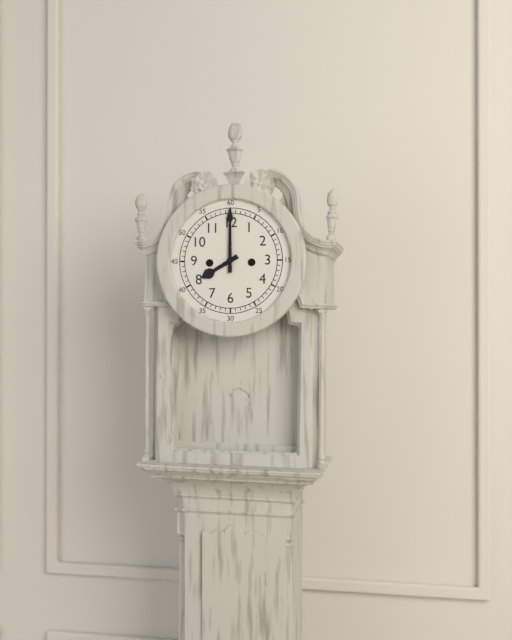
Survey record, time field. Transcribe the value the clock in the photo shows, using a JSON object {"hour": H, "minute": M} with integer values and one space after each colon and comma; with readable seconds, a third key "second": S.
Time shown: {"hour": 8, "minute": 0}
